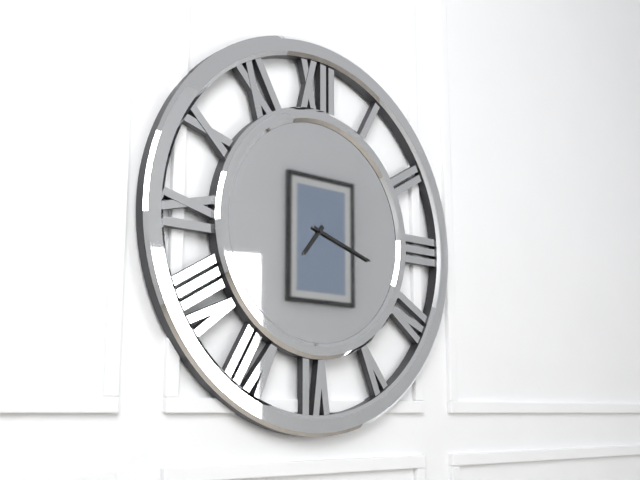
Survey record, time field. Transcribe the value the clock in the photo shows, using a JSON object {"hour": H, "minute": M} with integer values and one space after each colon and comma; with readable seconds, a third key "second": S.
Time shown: {"hour": 7, "minute": 18}
